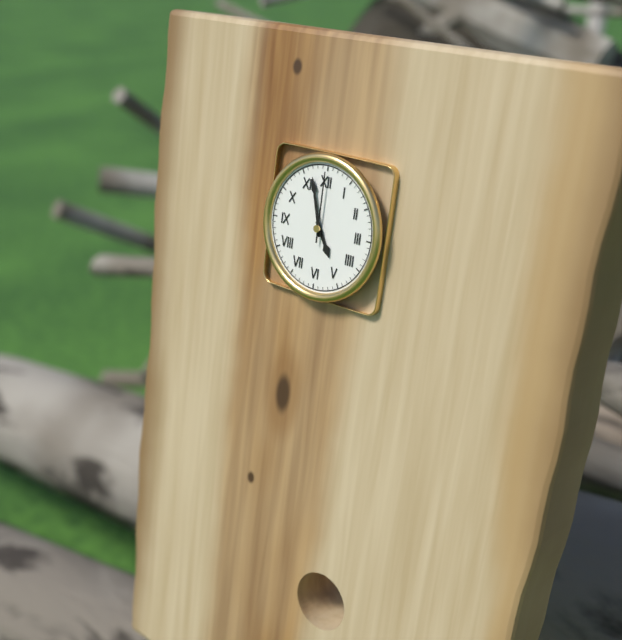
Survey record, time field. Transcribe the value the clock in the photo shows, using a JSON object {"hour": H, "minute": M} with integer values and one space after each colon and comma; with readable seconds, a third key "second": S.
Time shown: {"hour": 4, "minute": 57, "second": 0}
